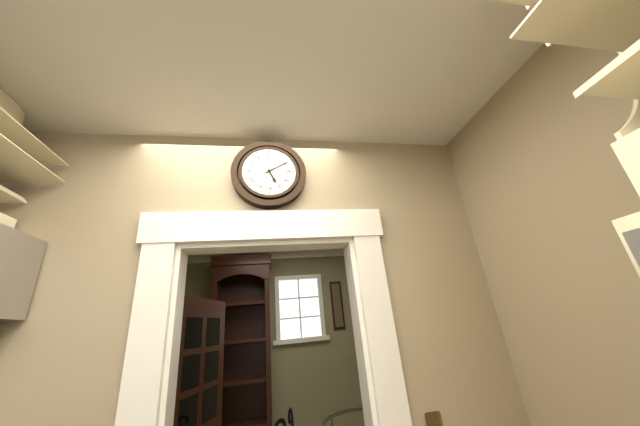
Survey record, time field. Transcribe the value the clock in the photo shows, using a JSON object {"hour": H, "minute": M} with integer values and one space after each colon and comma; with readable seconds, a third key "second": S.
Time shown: {"hour": 5, "minute": 10}
